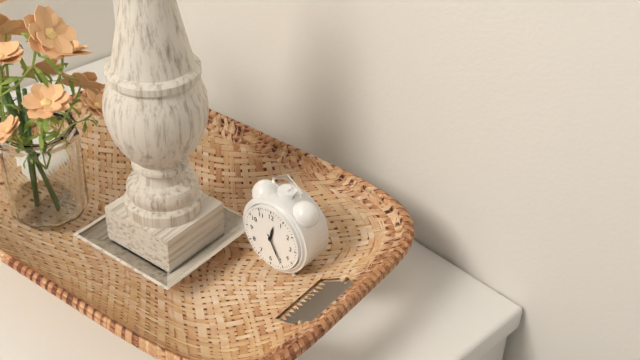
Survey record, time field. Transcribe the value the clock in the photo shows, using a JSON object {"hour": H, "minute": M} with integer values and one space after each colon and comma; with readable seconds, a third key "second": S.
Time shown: {"hour": 12, "minute": 25}
